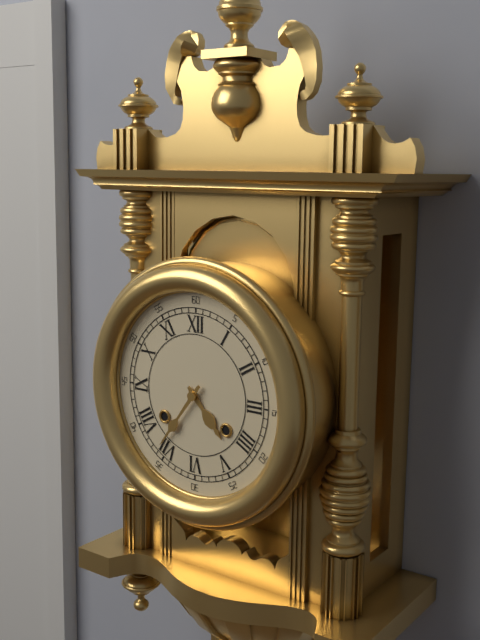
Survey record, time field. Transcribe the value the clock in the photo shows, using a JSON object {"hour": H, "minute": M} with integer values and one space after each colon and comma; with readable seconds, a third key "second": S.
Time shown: {"hour": 4, "minute": 36}
